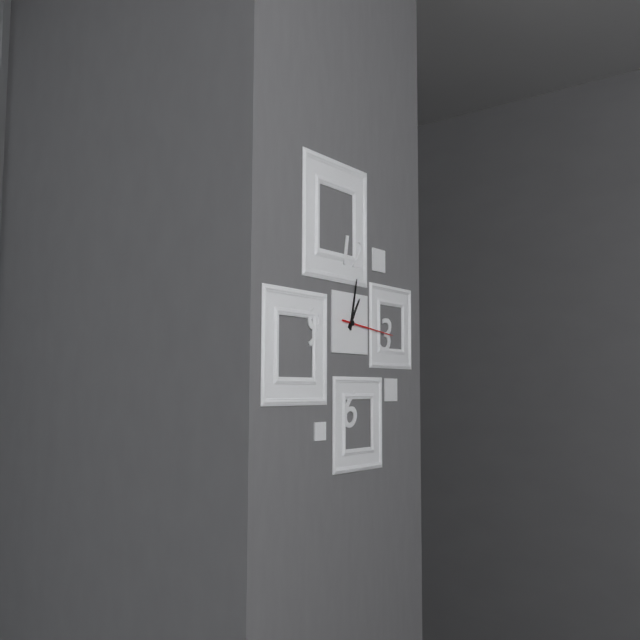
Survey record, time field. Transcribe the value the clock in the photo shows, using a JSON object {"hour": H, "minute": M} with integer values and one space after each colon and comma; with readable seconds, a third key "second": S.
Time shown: {"hour": 1, "minute": 2, "second": 16}
